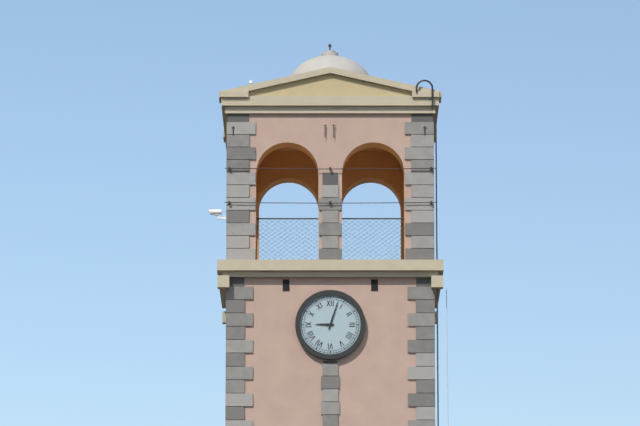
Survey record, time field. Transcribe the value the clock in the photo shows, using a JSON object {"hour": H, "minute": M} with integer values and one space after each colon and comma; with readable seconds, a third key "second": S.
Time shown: {"hour": 9, "minute": 3}
